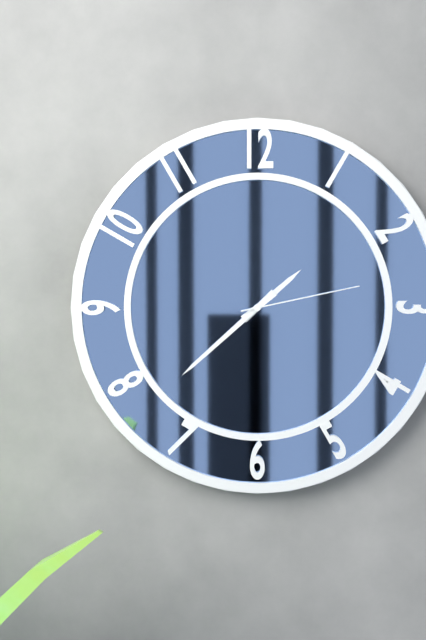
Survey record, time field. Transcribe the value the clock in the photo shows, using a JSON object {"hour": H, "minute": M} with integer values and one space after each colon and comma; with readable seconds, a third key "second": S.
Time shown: {"hour": 1, "minute": 38, "second": 13}
